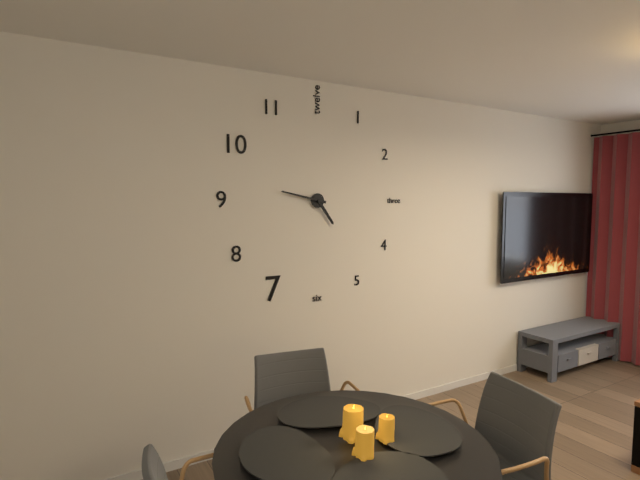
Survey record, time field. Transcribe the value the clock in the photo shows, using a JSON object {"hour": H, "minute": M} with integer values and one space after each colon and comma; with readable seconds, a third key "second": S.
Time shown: {"hour": 4, "minute": 47}
